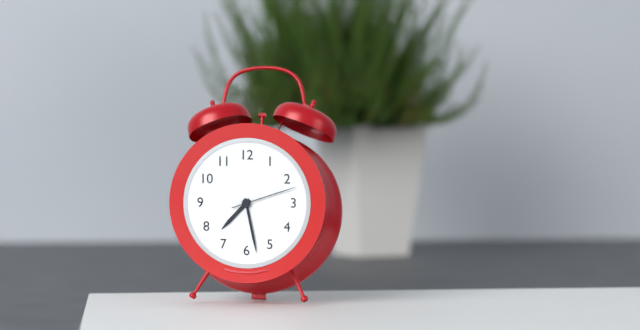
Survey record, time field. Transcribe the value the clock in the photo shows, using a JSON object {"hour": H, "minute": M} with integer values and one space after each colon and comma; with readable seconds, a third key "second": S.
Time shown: {"hour": 7, "minute": 28, "second": 12}
